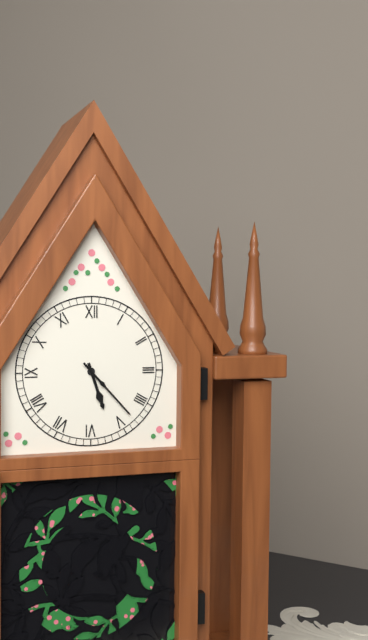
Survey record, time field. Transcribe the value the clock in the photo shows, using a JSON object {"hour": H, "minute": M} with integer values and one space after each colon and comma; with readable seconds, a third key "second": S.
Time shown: {"hour": 5, "minute": 23}
